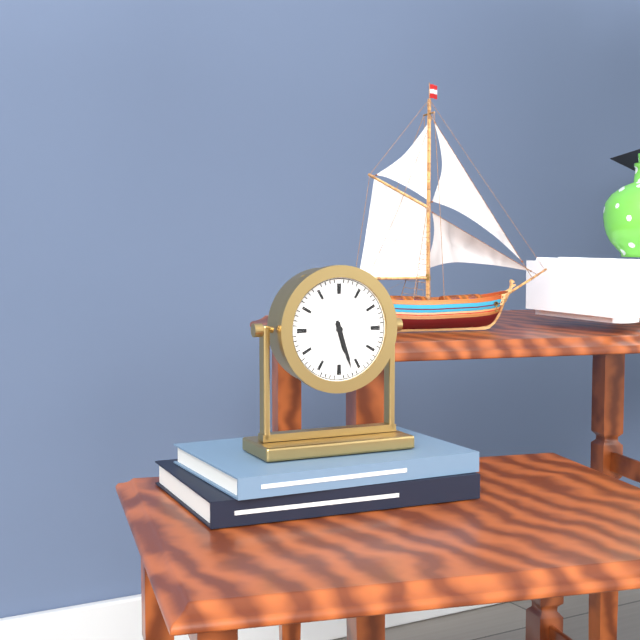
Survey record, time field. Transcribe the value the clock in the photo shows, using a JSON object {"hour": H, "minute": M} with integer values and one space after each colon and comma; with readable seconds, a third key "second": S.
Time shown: {"hour": 5, "minute": 27}
